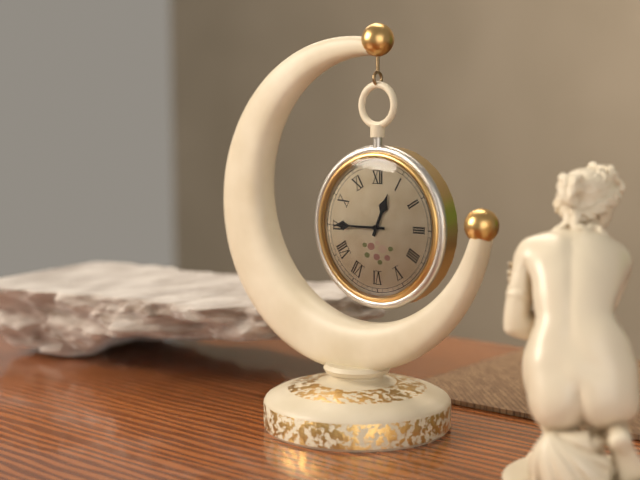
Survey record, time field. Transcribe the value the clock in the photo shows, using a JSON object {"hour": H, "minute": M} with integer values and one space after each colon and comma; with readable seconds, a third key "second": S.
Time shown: {"hour": 12, "minute": 45}
